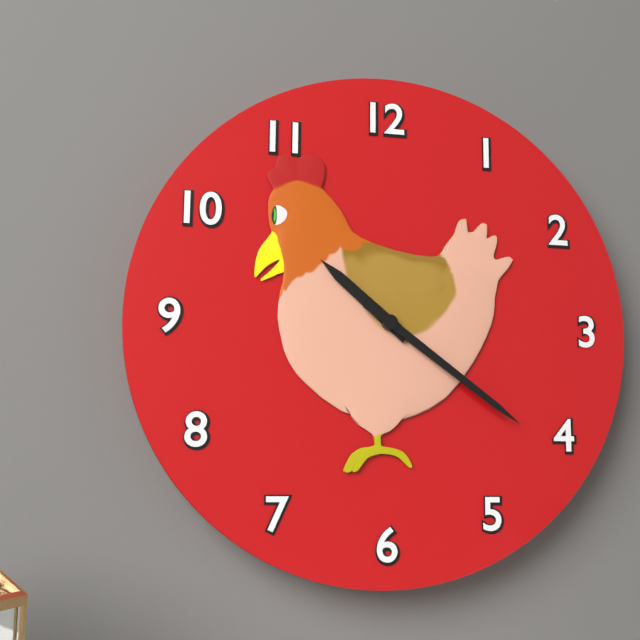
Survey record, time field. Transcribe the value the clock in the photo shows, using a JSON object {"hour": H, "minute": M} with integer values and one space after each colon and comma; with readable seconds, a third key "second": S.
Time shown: {"hour": 10, "minute": 21}
